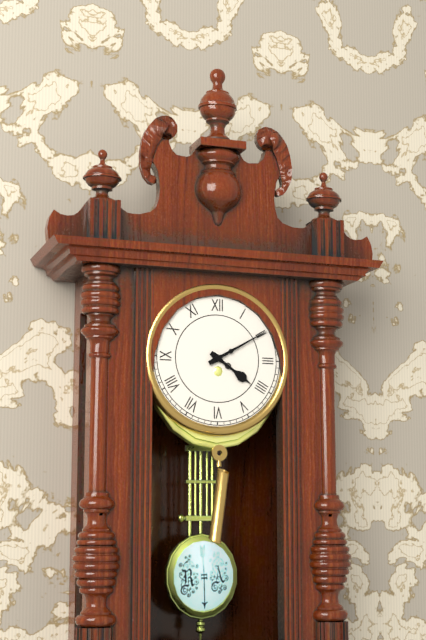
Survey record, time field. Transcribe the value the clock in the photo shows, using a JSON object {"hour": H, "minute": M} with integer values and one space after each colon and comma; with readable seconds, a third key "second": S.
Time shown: {"hour": 4, "minute": 10}
